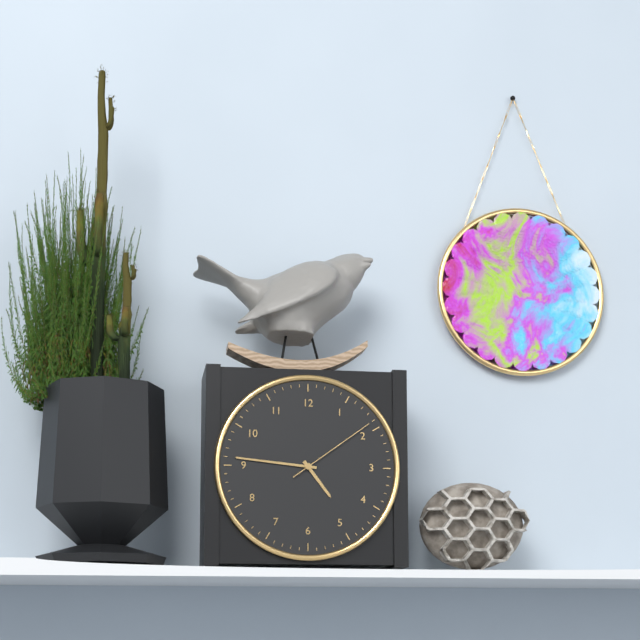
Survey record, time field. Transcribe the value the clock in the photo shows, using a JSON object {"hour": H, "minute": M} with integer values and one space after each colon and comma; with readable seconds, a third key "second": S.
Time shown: {"hour": 4, "minute": 46, "second": 9}
